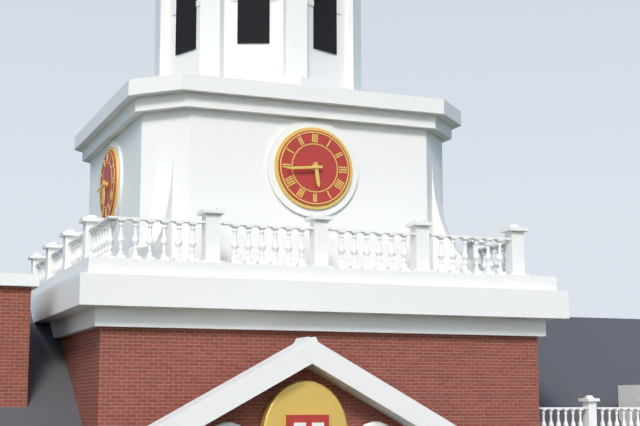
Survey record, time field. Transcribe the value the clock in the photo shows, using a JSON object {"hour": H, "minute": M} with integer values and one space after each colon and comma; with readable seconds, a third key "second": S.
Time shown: {"hour": 5, "minute": 44}
